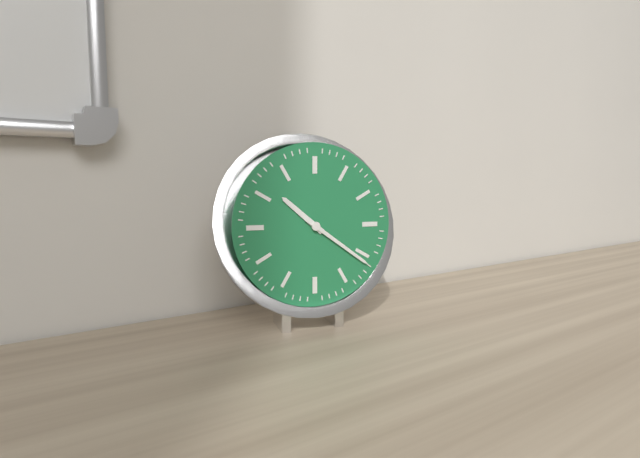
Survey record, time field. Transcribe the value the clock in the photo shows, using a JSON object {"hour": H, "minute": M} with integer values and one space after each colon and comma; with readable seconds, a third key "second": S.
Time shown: {"hour": 10, "minute": 21}
